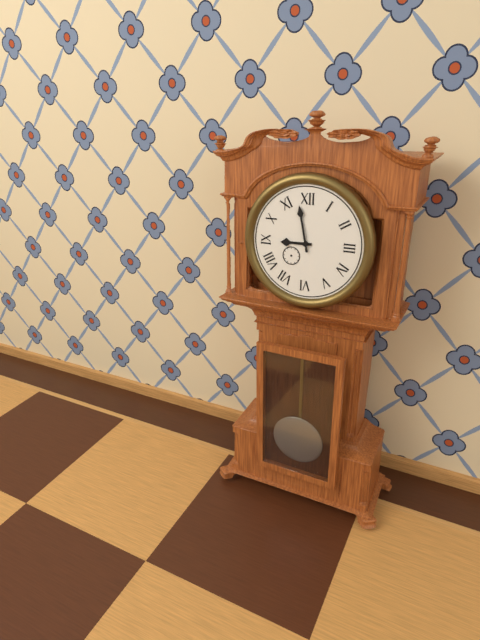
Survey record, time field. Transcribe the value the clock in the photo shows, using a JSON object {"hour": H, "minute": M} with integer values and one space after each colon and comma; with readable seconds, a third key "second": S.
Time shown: {"hour": 8, "minute": 58}
